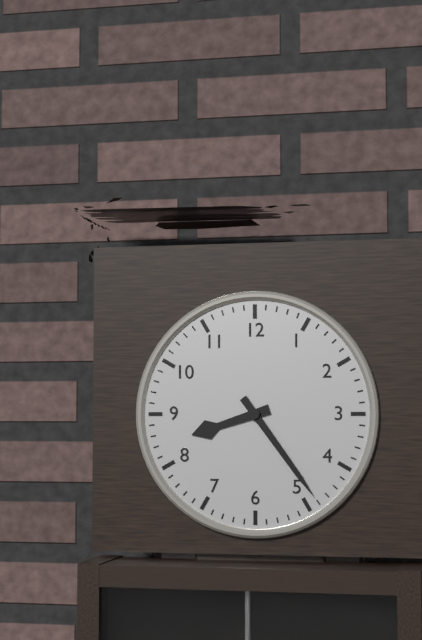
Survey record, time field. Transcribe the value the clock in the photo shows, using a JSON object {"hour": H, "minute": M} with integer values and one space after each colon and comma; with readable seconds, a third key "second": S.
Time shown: {"hour": 8, "minute": 24}
